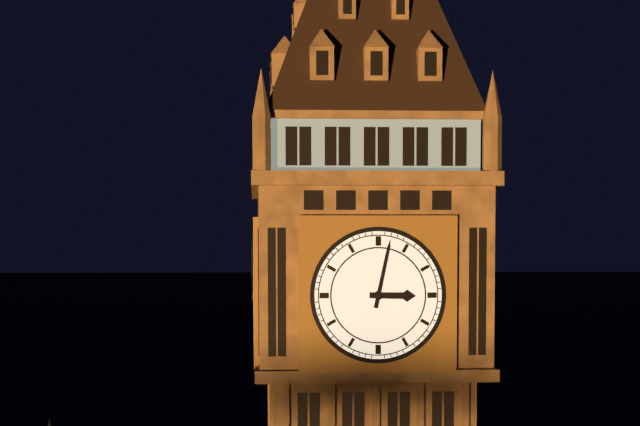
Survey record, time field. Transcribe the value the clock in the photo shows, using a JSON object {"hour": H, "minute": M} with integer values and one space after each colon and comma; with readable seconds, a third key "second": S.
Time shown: {"hour": 3, "minute": 2}
